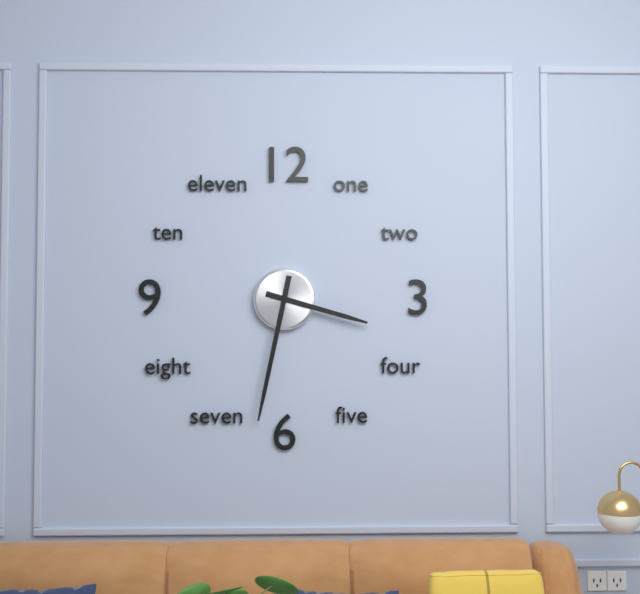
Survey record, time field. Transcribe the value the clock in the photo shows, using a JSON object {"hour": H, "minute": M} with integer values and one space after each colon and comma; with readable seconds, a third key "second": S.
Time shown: {"hour": 3, "minute": 32}
